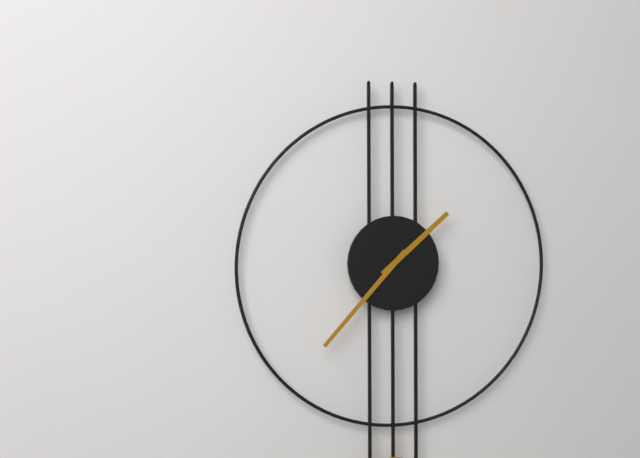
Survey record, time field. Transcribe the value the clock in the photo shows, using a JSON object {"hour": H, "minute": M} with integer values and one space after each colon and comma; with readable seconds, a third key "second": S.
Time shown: {"hour": 1, "minute": 37}
